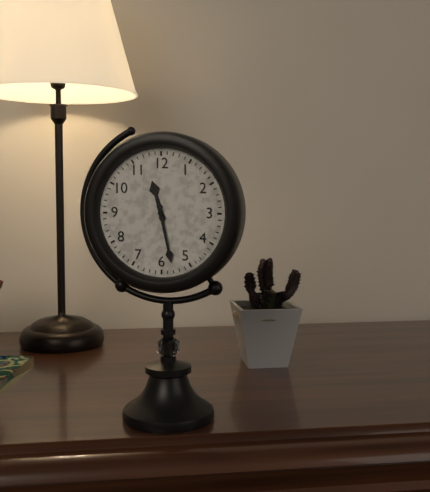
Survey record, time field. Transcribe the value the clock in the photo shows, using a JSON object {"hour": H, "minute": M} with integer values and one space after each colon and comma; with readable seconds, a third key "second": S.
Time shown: {"hour": 11, "minute": 28}
